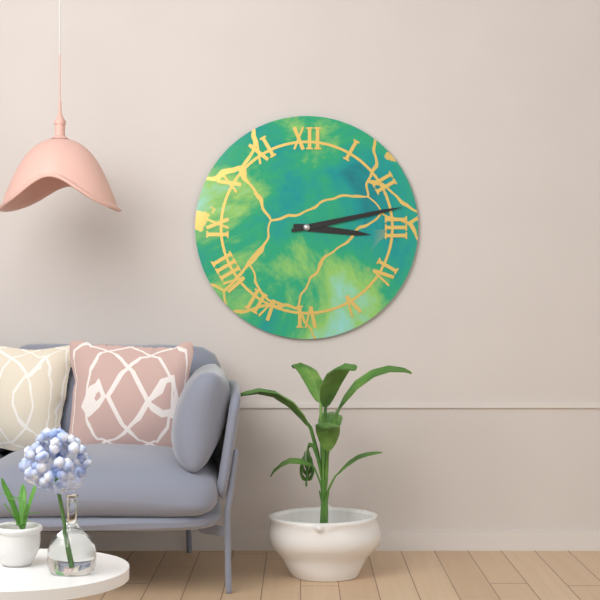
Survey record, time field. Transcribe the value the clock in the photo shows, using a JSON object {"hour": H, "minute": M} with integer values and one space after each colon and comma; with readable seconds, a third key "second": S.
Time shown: {"hour": 3, "minute": 13}
